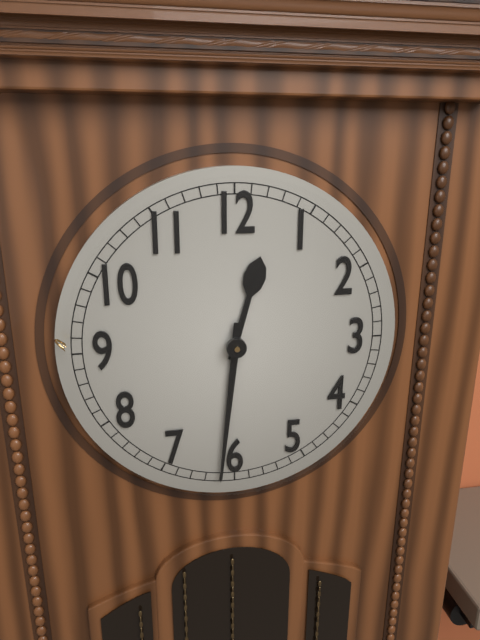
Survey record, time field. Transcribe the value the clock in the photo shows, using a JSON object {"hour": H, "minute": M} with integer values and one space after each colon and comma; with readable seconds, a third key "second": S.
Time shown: {"hour": 12, "minute": 31}
